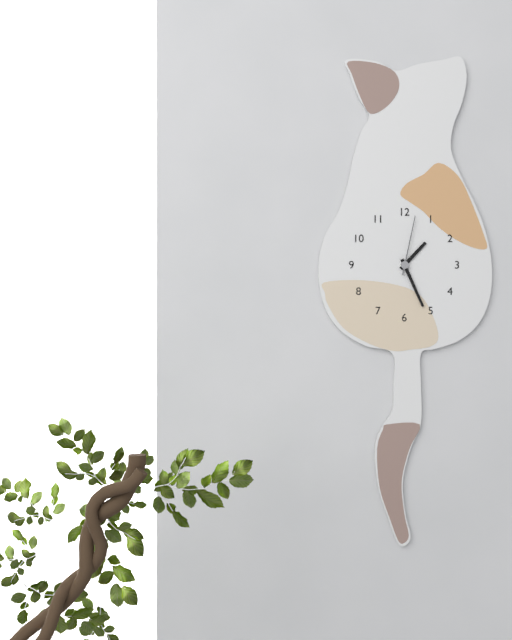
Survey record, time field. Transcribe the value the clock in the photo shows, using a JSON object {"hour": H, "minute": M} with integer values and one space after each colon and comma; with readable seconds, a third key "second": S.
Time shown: {"hour": 1, "minute": 26, "second": 2}
